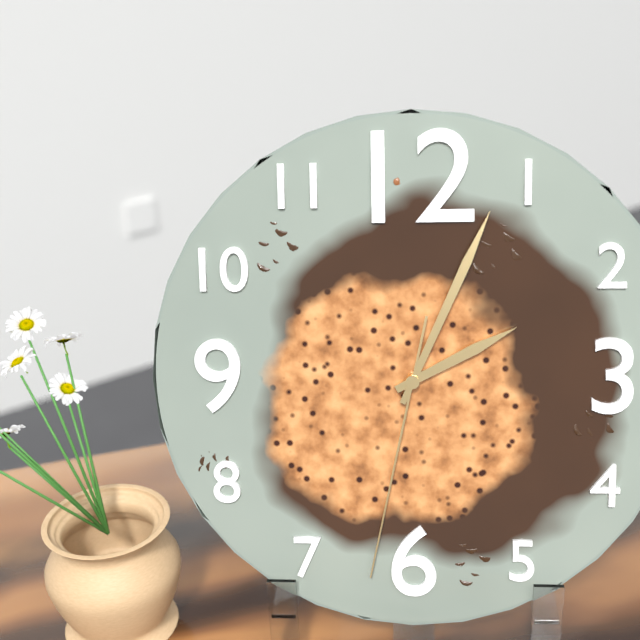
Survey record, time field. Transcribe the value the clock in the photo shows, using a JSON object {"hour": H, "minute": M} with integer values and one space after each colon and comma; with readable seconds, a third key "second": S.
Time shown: {"hour": 2, "minute": 4, "second": 32}
